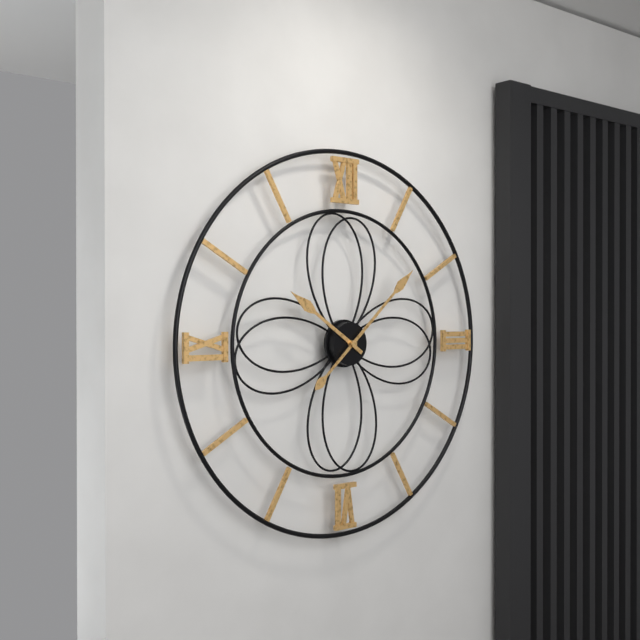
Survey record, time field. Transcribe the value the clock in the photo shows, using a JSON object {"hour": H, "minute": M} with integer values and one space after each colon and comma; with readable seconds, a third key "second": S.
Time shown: {"hour": 10, "minute": 8}
